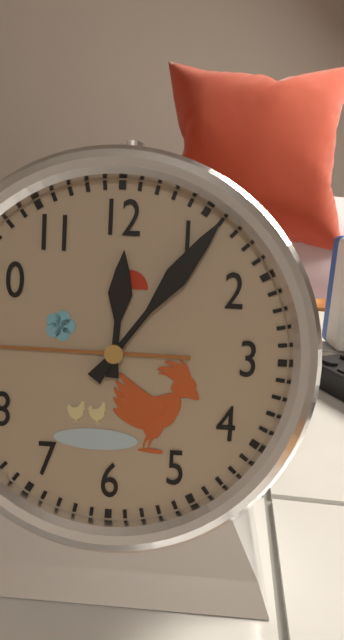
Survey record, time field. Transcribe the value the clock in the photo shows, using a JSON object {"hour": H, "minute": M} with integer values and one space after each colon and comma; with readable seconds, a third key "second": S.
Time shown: {"hour": 12, "minute": 6}
